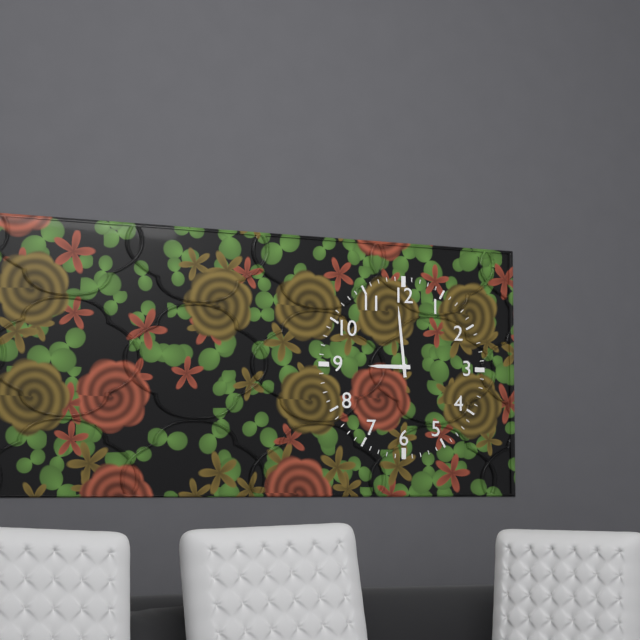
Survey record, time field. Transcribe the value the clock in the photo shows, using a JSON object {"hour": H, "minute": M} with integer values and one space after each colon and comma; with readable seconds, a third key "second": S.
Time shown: {"hour": 8, "minute": 59}
